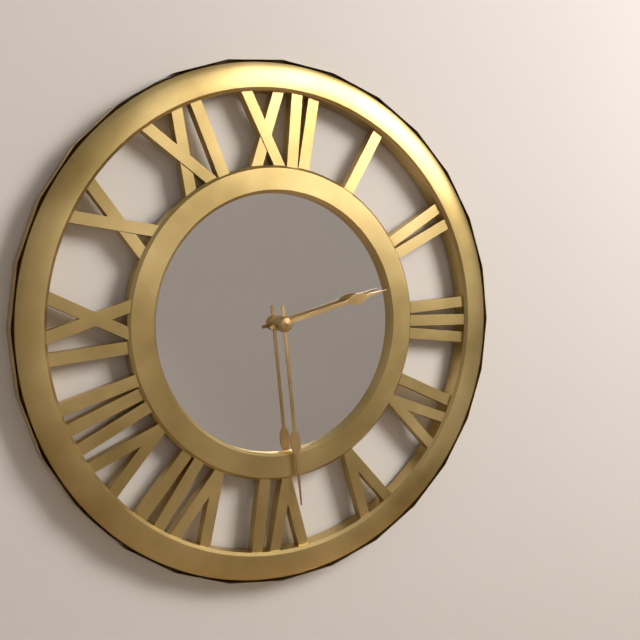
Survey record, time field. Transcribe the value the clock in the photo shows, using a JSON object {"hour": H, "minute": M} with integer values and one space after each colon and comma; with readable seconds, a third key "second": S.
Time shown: {"hour": 2, "minute": 29}
